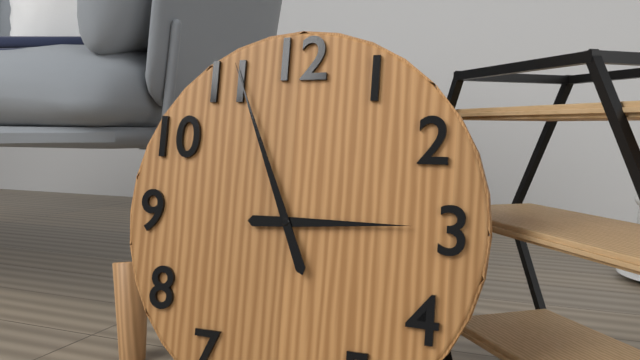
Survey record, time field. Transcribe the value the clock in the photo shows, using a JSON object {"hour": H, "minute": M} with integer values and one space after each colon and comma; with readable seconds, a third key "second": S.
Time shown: {"hour": 2, "minute": 56}
